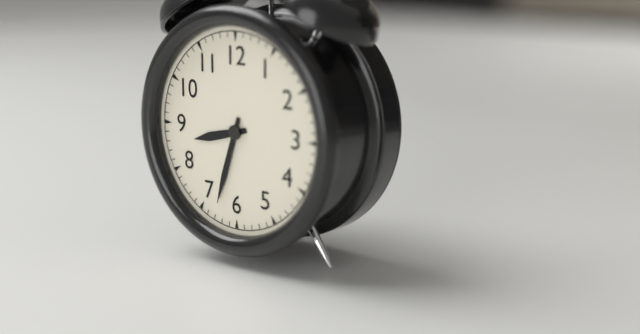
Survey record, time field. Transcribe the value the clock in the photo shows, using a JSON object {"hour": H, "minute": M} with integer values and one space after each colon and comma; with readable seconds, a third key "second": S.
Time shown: {"hour": 8, "minute": 33}
